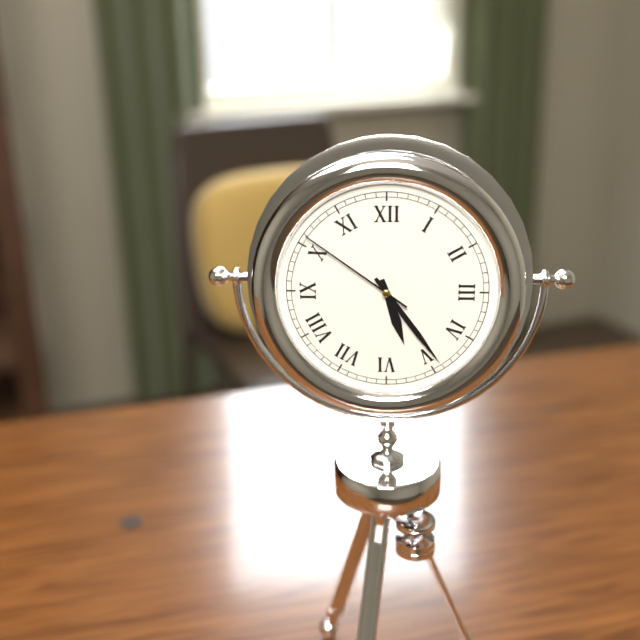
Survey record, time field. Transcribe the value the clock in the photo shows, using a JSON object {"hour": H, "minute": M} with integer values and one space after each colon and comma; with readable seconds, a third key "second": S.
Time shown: {"hour": 5, "minute": 24, "second": 51}
